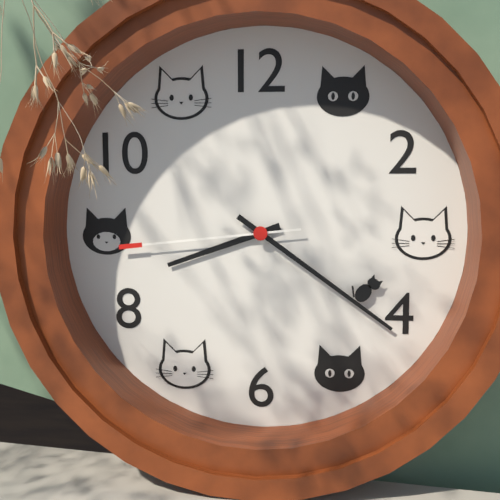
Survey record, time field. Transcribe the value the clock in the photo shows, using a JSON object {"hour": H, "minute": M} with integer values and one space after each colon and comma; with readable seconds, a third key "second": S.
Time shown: {"hour": 8, "minute": 21, "second": 44}
